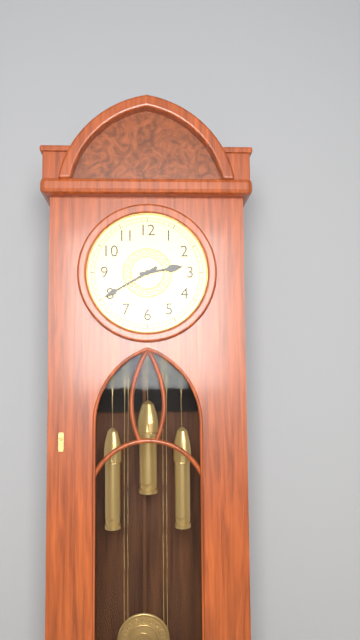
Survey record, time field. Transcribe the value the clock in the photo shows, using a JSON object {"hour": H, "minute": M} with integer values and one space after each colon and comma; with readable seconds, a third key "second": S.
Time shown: {"hour": 2, "minute": 40}
